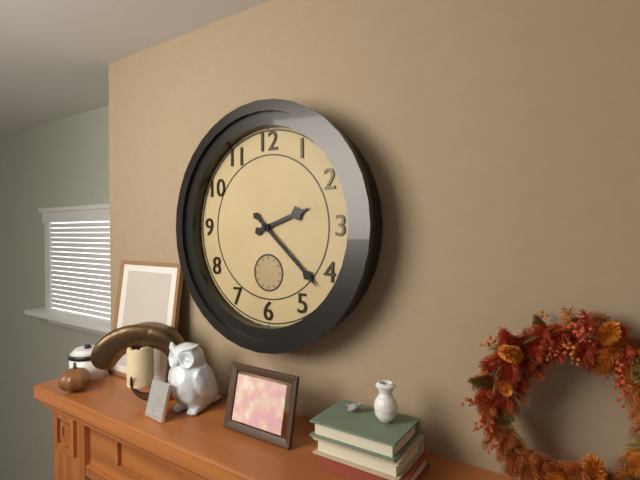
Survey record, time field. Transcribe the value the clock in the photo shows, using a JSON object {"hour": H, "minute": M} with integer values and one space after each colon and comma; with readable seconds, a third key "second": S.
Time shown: {"hour": 2, "minute": 22}
